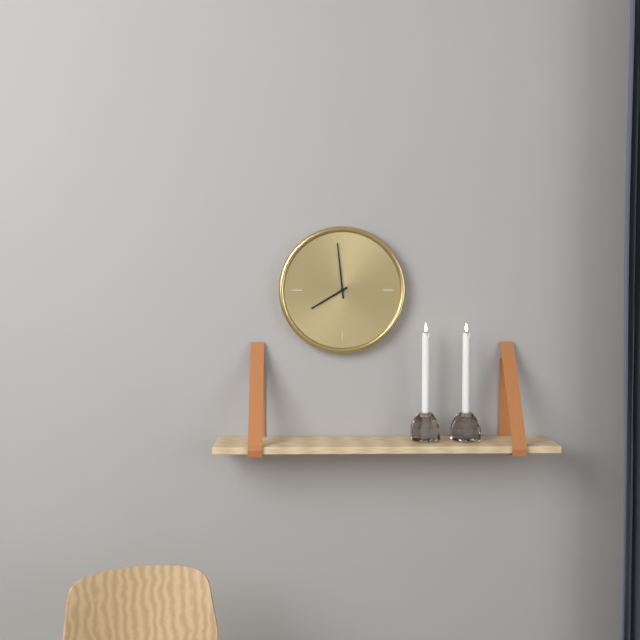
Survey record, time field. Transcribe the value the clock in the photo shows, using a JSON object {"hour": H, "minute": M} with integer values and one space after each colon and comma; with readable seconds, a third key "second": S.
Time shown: {"hour": 7, "minute": 59}
